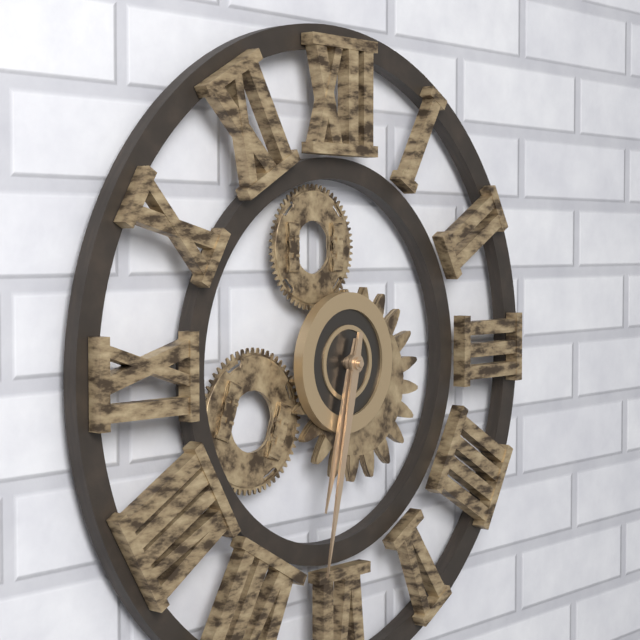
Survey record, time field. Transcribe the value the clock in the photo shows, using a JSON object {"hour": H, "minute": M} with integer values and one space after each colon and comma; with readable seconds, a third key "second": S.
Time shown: {"hour": 6, "minute": 32}
